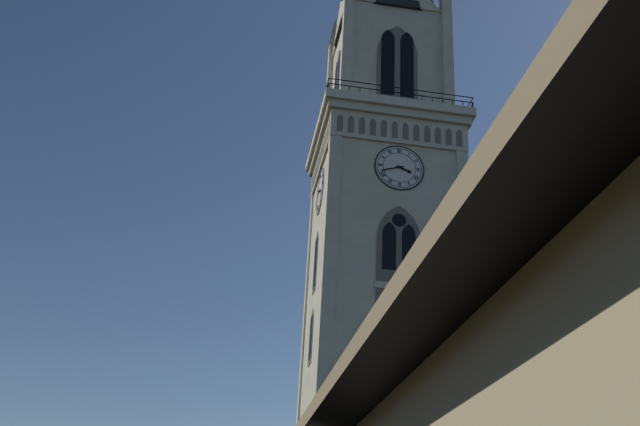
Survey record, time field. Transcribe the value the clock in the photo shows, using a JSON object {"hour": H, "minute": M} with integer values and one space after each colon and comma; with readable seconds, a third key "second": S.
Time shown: {"hour": 3, "minute": 42}
